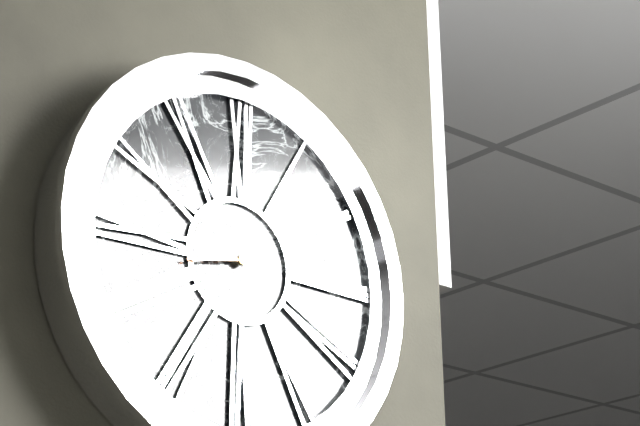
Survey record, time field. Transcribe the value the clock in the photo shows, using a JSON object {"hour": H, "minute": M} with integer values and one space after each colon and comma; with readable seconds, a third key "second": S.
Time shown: {"hour": 8, "minute": 43}
